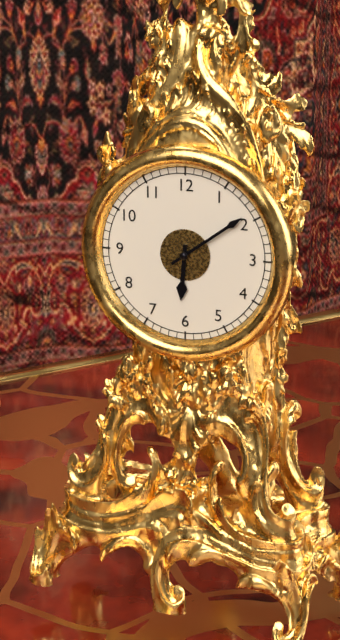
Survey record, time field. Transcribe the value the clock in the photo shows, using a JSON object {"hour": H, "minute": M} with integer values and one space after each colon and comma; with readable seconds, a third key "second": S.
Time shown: {"hour": 6, "minute": 9}
